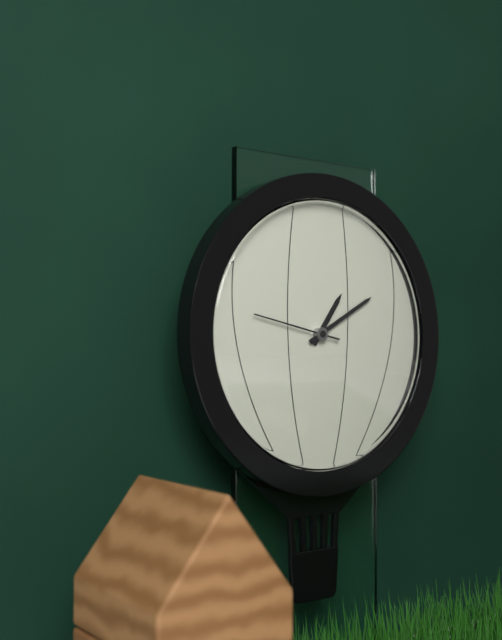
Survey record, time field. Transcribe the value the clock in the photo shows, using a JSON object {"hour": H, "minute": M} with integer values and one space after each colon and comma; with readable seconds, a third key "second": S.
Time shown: {"hour": 1, "minute": 10, "second": 47}
